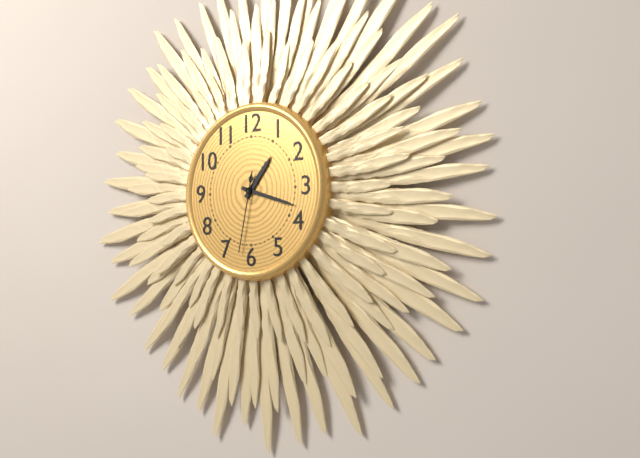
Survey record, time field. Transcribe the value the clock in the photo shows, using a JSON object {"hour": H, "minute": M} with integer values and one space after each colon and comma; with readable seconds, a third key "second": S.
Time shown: {"hour": 1, "minute": 18, "second": 32}
